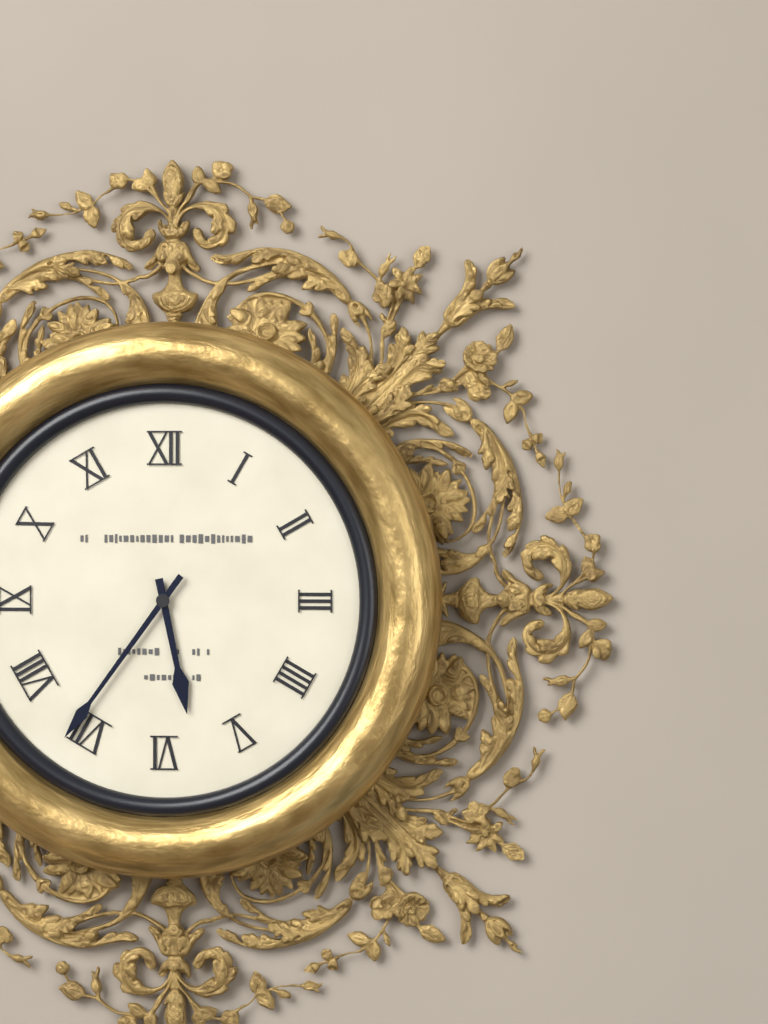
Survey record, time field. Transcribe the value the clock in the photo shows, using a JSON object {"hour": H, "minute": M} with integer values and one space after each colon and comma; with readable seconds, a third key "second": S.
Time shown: {"hour": 5, "minute": 36}
